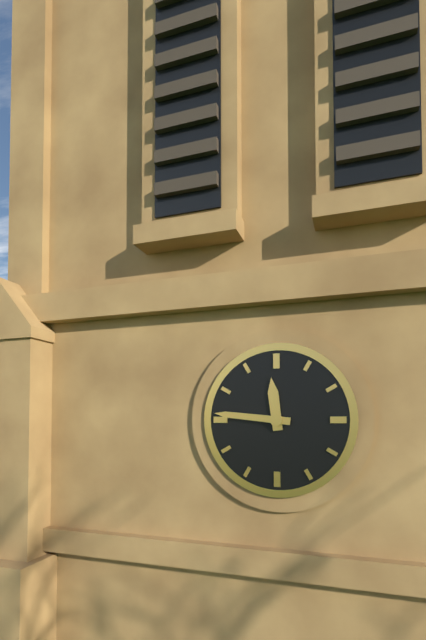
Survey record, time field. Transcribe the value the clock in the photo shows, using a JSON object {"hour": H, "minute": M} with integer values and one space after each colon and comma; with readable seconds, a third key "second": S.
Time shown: {"hour": 11, "minute": 46}
